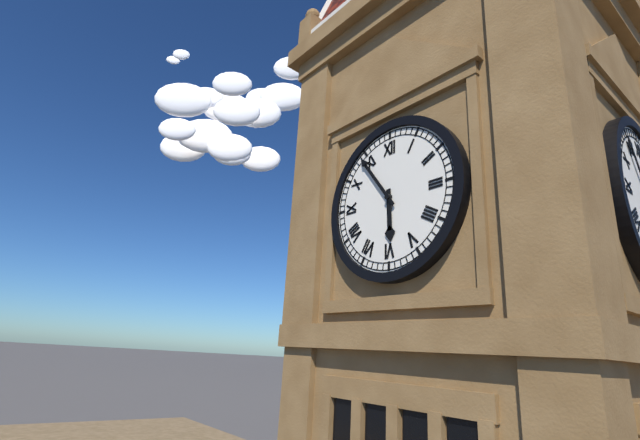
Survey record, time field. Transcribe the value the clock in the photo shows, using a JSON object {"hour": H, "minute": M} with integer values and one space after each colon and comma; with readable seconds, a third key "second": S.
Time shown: {"hour": 5, "minute": 54}
